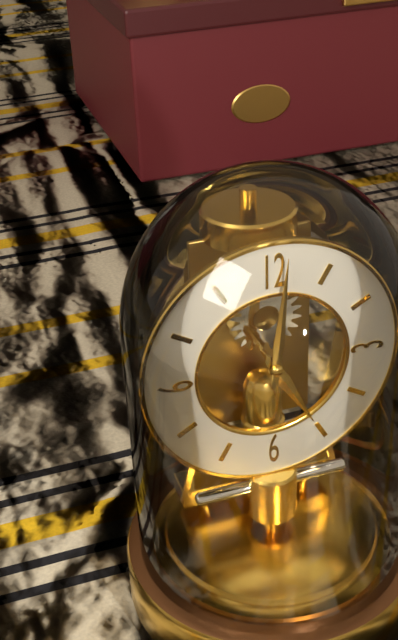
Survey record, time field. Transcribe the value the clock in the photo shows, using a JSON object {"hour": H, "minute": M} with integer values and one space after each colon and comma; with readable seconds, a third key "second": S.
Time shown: {"hour": 5, "minute": 1}
